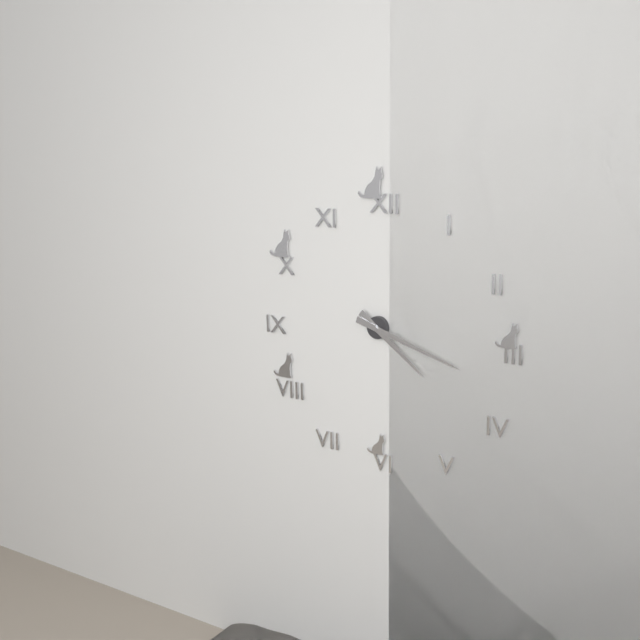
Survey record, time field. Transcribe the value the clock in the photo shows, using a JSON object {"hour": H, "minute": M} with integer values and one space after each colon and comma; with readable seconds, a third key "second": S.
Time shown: {"hour": 4, "minute": 18}
